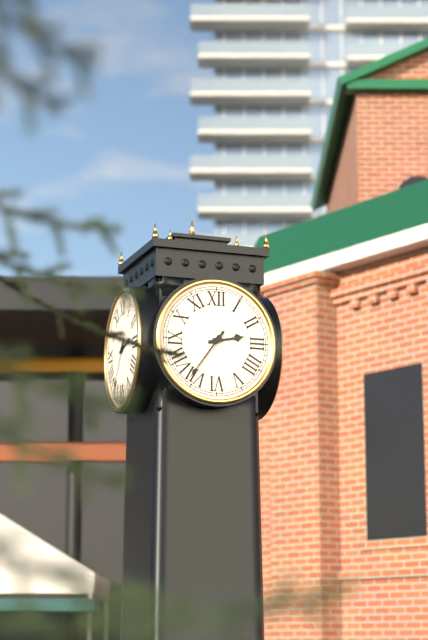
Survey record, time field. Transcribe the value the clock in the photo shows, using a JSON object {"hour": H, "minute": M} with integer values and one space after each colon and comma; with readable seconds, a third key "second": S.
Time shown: {"hour": 2, "minute": 36}
